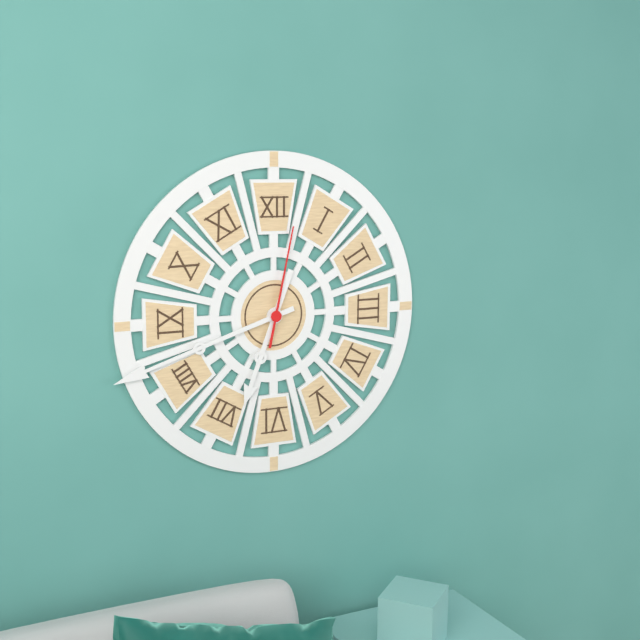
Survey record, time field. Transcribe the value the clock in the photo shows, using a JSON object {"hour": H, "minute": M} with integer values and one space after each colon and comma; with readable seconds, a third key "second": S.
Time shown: {"hour": 6, "minute": 42, "second": 2}
